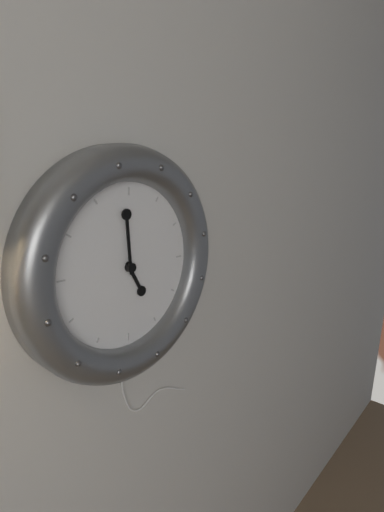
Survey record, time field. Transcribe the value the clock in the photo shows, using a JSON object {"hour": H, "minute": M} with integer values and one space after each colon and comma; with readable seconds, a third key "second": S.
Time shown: {"hour": 4, "minute": 59}
